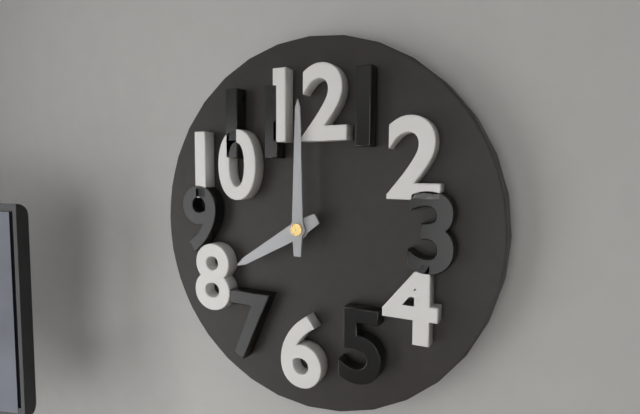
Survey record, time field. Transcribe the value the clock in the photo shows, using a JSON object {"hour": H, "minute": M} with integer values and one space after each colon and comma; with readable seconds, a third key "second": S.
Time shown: {"hour": 8, "minute": 0}
